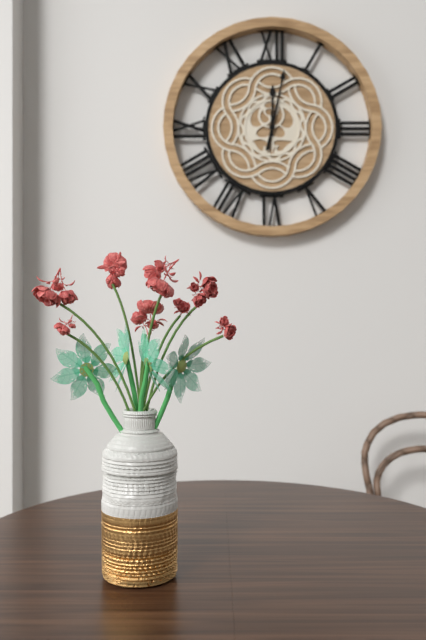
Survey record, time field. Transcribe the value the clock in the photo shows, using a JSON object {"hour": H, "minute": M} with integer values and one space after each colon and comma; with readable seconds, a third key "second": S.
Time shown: {"hour": 12, "minute": 2}
